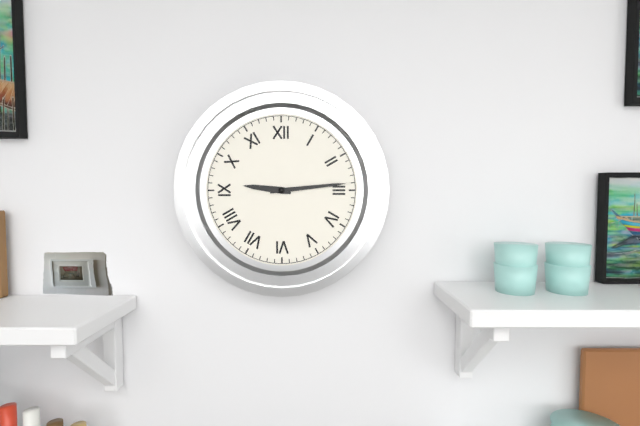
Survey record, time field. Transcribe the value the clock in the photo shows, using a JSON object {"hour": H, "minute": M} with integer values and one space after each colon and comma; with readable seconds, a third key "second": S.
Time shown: {"hour": 9, "minute": 14}
